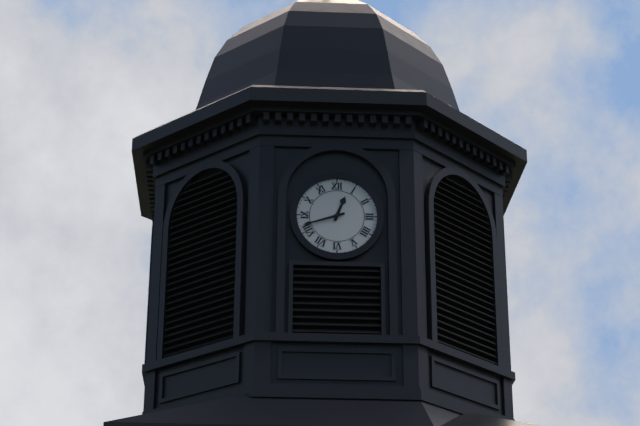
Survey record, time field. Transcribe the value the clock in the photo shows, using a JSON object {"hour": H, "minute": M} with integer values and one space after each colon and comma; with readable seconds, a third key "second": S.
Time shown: {"hour": 12, "minute": 42}
